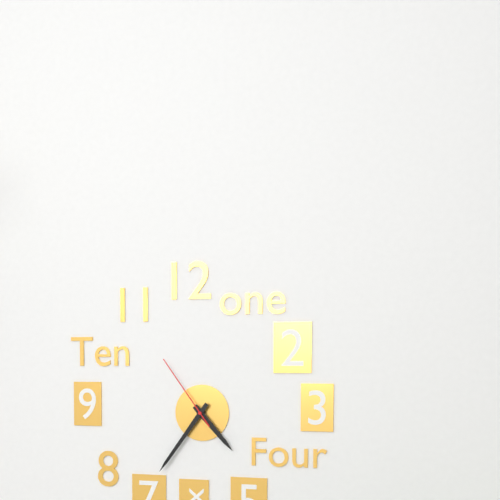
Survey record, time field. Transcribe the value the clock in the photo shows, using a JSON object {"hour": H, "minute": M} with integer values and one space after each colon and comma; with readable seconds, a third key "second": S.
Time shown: {"hour": 4, "minute": 36, "second": 54}
